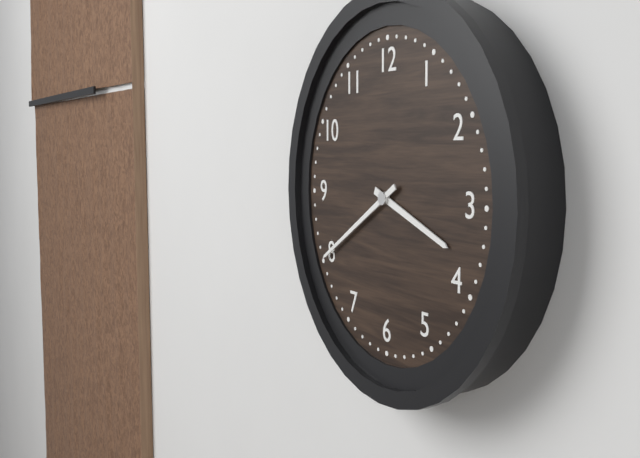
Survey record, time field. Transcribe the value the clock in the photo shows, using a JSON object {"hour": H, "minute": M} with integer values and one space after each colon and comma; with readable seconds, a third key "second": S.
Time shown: {"hour": 3, "minute": 40}
